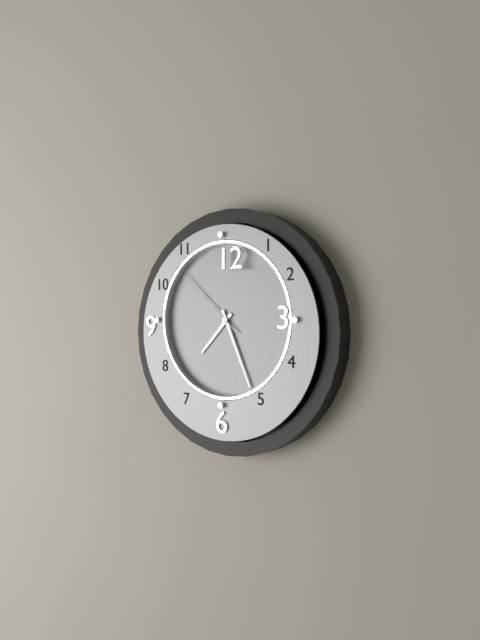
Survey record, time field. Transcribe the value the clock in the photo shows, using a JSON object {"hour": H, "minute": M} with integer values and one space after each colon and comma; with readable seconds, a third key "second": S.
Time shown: {"hour": 7, "minute": 26, "second": 52}
